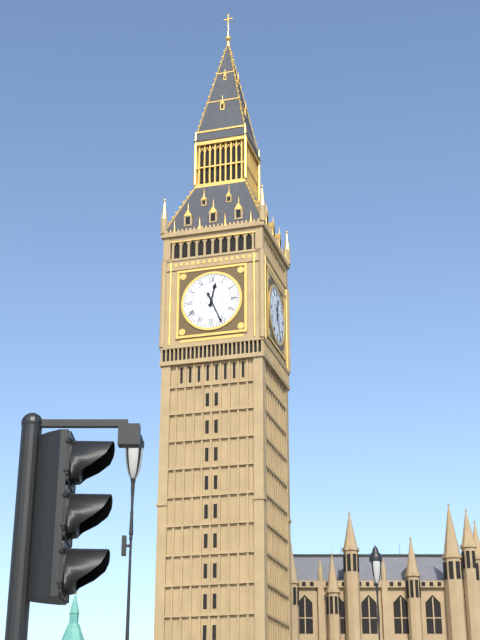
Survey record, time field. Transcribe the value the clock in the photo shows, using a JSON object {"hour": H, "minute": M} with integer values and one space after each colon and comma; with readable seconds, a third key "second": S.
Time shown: {"hour": 12, "minute": 26}
